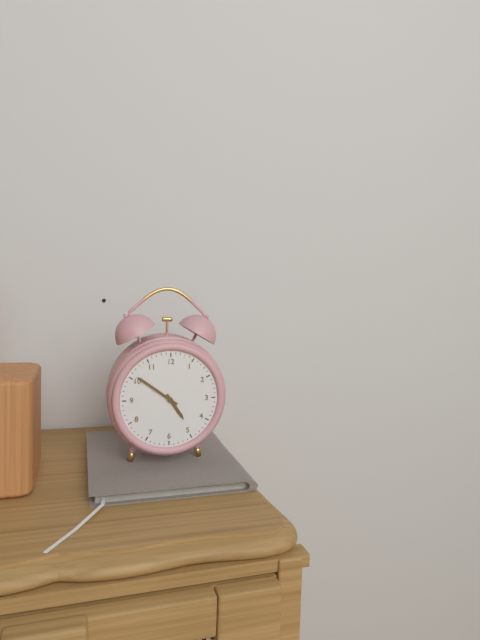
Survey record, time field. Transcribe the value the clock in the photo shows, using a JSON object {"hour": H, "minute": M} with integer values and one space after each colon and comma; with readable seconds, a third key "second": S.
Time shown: {"hour": 4, "minute": 51}
